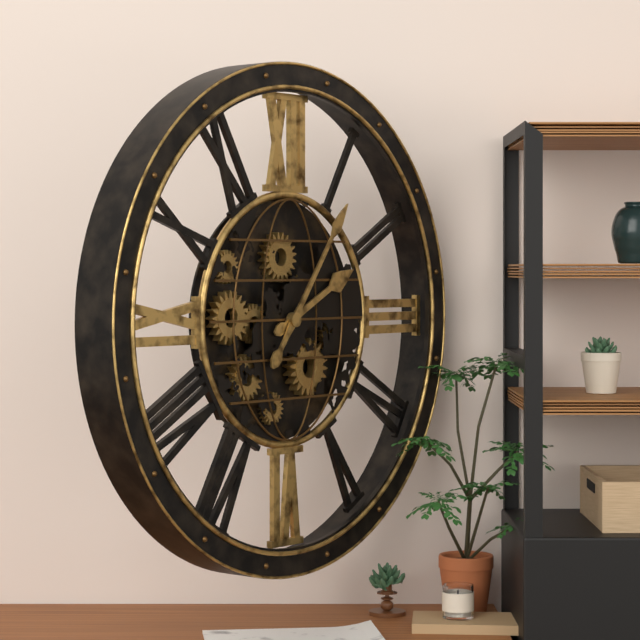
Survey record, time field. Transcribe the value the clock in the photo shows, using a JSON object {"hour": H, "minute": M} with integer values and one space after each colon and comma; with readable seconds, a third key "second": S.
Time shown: {"hour": 2, "minute": 6}
